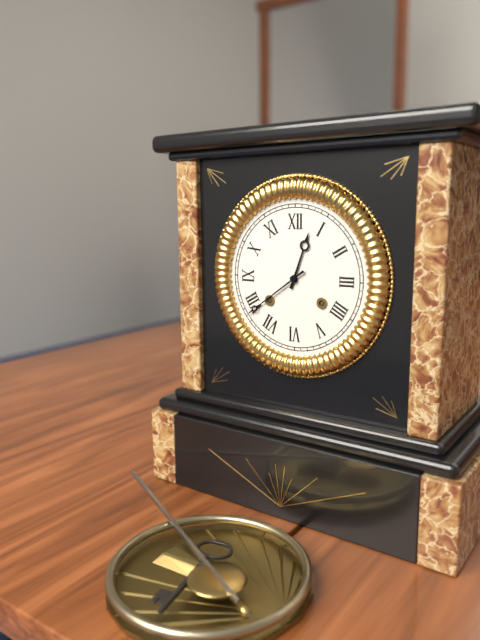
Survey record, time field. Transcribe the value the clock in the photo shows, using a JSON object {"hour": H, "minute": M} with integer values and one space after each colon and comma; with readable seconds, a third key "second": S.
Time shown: {"hour": 12, "minute": 39}
